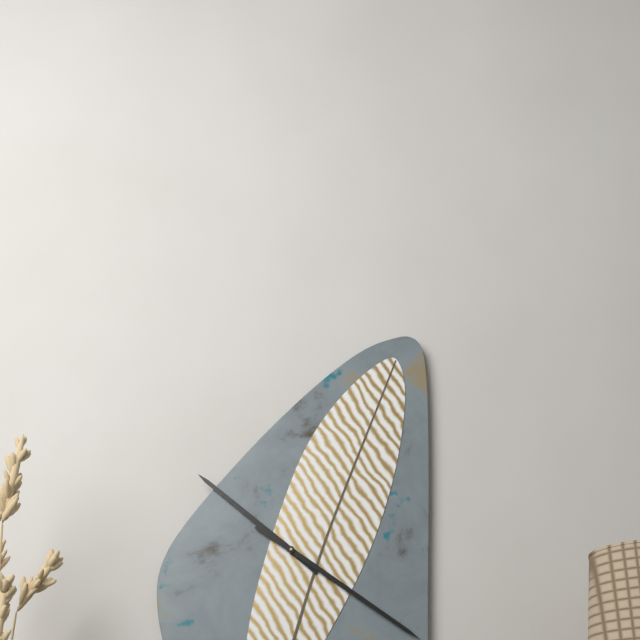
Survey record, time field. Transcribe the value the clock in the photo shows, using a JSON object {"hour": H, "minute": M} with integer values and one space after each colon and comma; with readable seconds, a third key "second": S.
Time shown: {"hour": 10, "minute": 21}
